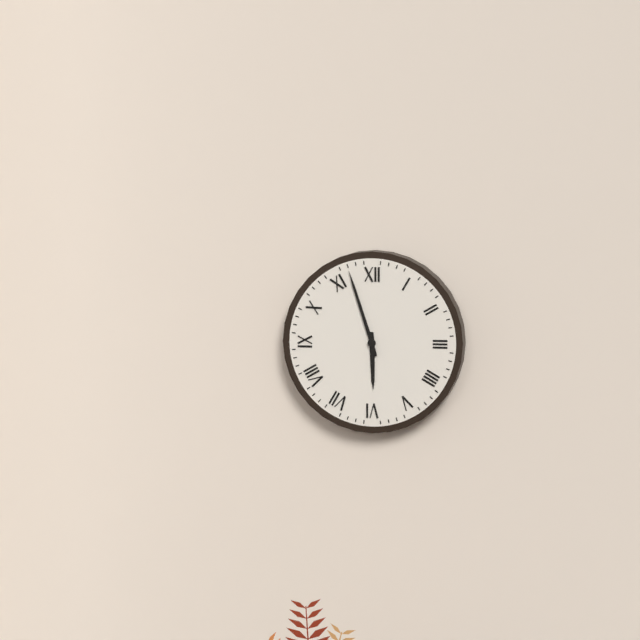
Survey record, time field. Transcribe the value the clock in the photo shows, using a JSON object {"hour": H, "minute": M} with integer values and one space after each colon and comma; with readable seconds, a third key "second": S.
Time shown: {"hour": 5, "minute": 57}
